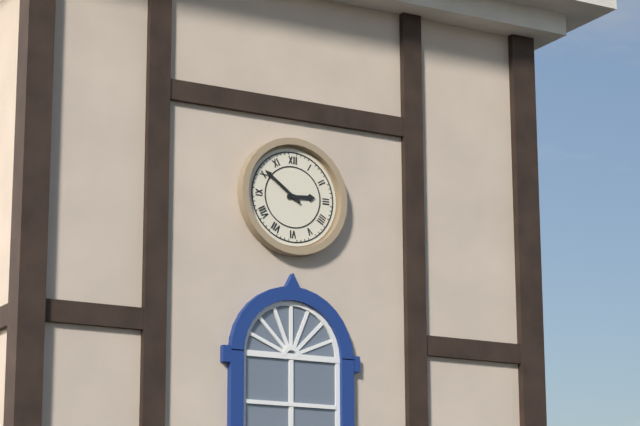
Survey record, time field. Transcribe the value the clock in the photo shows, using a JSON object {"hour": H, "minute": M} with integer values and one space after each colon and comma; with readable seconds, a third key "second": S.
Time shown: {"hour": 2, "minute": 51}
